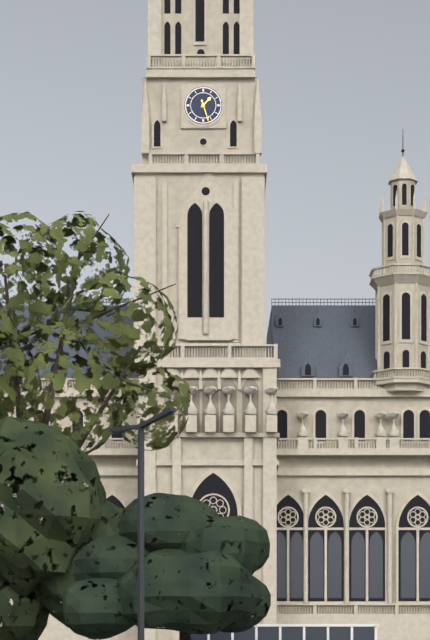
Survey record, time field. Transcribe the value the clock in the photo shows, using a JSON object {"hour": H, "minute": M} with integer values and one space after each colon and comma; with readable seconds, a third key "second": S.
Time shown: {"hour": 1, "minute": 27}
